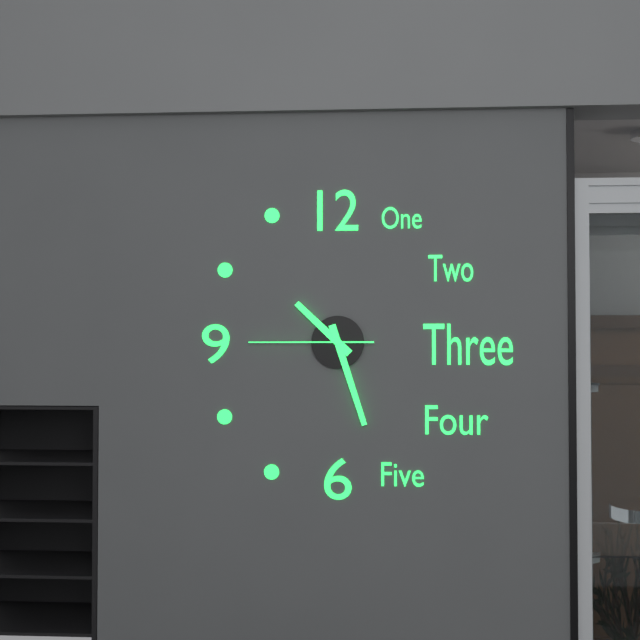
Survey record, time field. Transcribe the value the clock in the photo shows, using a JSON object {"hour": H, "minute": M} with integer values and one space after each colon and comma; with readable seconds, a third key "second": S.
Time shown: {"hour": 10, "minute": 27, "second": 45}
